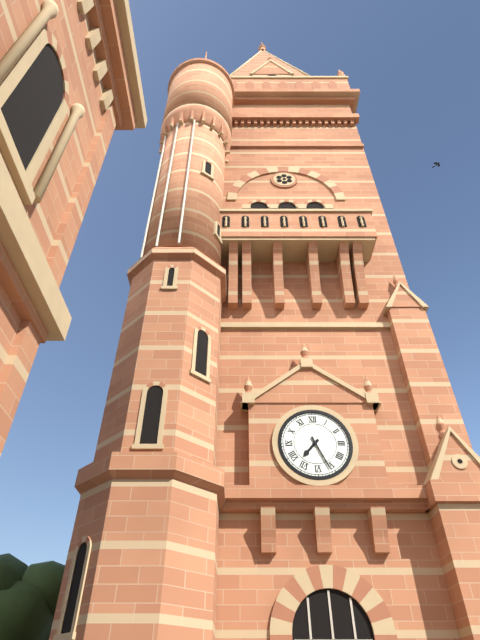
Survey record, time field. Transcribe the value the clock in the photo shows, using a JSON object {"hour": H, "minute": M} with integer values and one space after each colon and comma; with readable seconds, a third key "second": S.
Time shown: {"hour": 7, "minute": 26}
